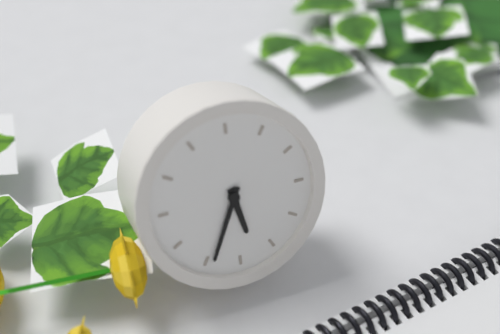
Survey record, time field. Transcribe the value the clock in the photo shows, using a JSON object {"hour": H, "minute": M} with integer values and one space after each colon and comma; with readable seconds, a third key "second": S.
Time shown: {"hour": 5, "minute": 34}
